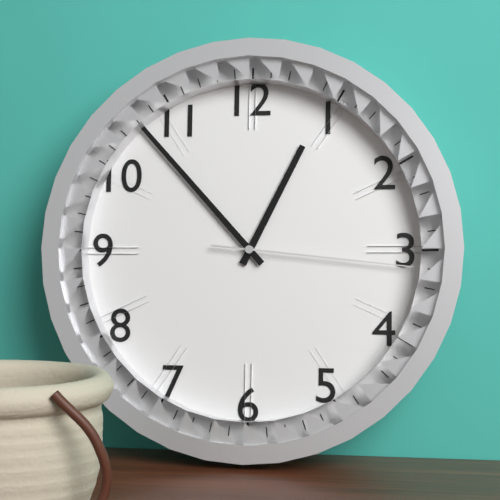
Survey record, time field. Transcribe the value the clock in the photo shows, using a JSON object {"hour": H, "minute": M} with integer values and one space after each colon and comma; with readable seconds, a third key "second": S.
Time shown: {"hour": 12, "minute": 53, "second": 16}
